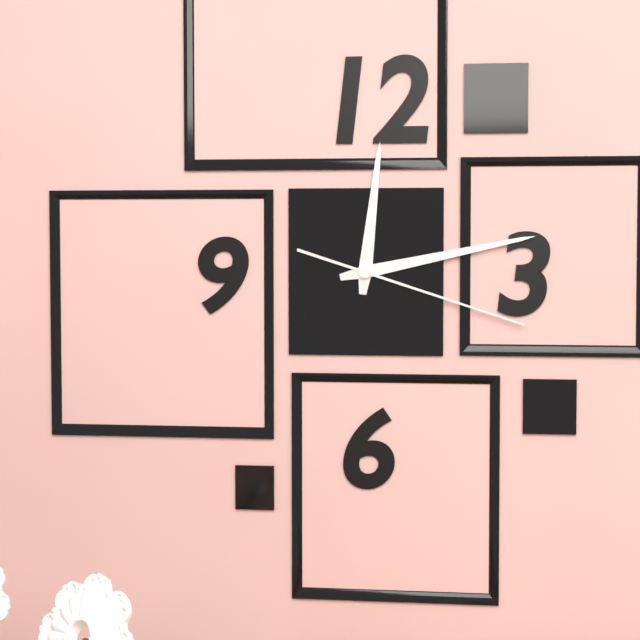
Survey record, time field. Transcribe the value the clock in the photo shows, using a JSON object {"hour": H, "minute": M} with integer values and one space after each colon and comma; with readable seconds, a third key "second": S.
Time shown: {"hour": 12, "minute": 13, "second": 18}
